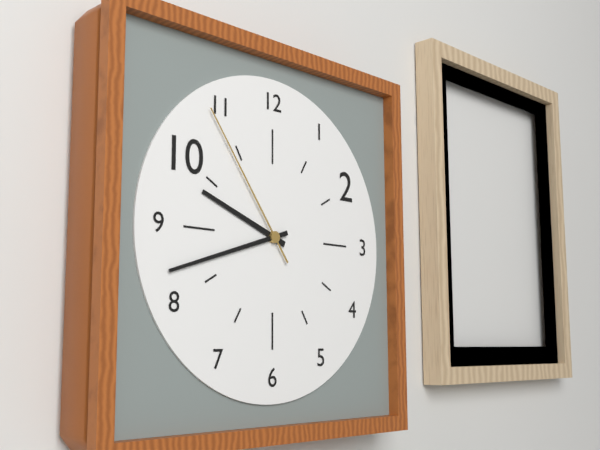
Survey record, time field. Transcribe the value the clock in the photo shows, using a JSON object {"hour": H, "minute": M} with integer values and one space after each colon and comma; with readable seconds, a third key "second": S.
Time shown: {"hour": 9, "minute": 42, "second": 54}
